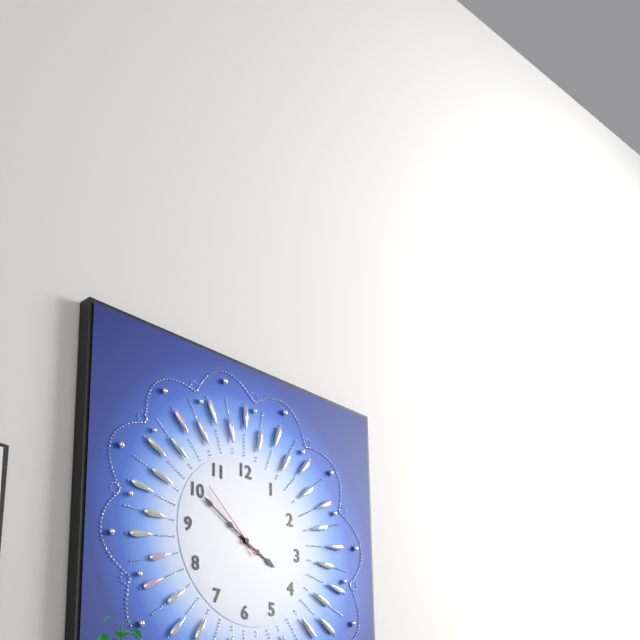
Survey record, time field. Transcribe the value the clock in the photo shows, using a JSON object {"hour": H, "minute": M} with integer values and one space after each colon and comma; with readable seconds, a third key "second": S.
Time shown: {"hour": 3, "minute": 50, "second": 52}
